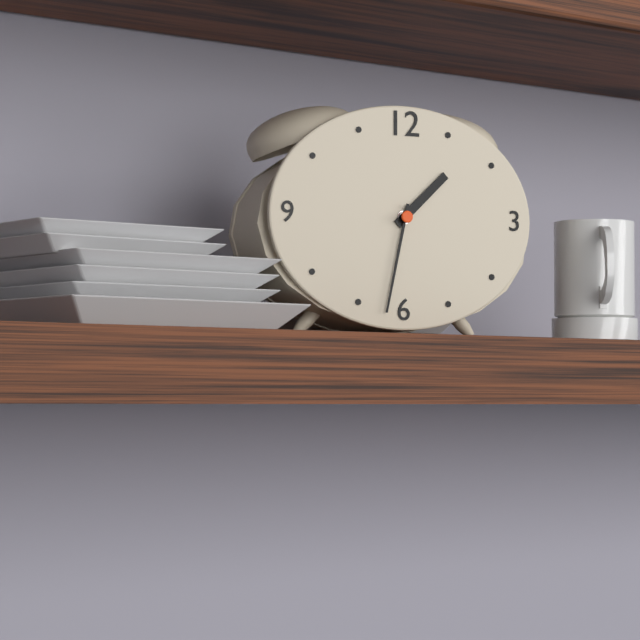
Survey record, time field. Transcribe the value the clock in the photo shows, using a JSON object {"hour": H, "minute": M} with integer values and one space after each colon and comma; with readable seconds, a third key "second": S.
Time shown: {"hour": 1, "minute": 32}
